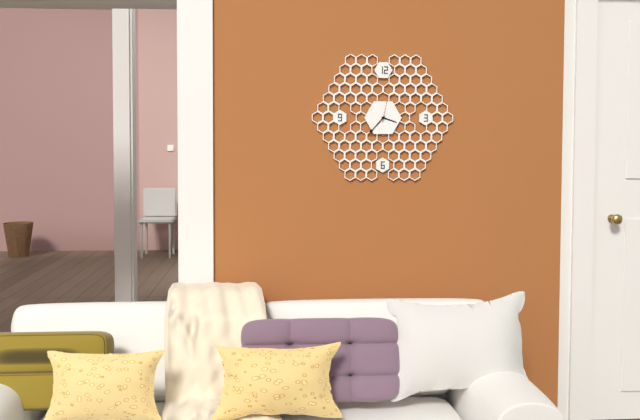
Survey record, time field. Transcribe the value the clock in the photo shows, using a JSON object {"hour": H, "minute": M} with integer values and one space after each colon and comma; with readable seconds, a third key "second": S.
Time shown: {"hour": 3, "minute": 37}
